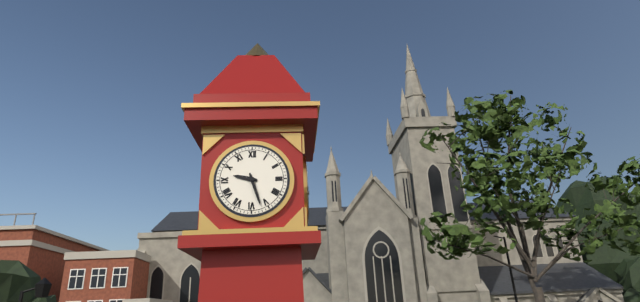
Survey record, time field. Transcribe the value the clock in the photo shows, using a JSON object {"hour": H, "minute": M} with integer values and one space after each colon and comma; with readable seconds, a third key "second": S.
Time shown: {"hour": 9, "minute": 27}
